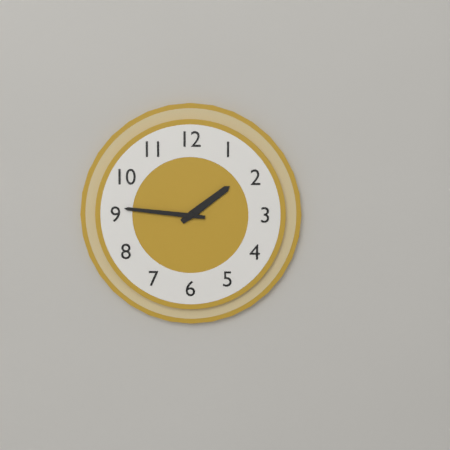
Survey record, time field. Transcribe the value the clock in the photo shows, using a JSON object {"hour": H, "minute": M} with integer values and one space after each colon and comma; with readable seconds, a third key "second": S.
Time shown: {"hour": 1, "minute": 46}
